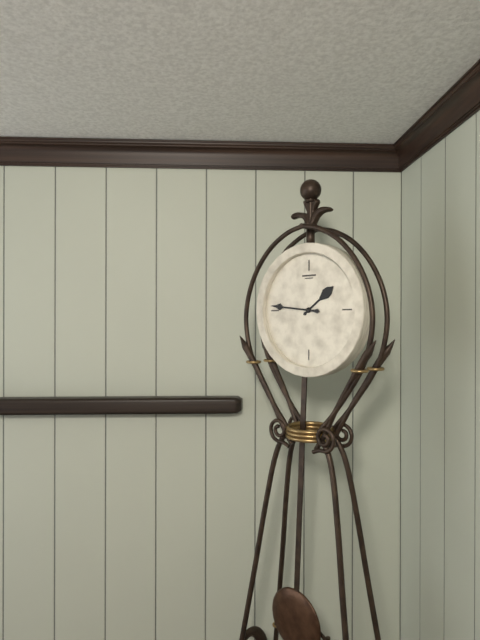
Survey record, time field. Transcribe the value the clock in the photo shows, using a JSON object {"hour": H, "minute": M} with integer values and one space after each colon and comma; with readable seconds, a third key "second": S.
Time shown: {"hour": 1, "minute": 46}
